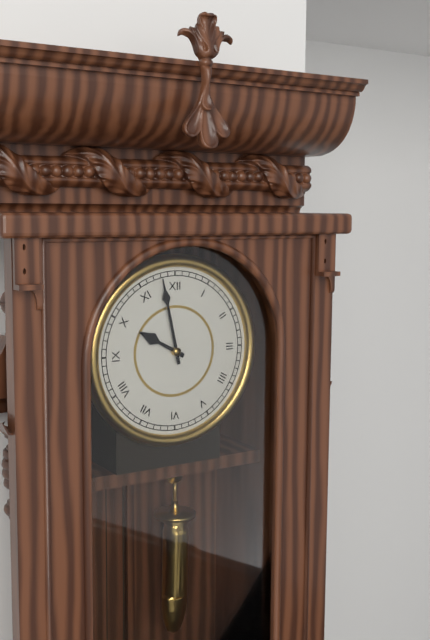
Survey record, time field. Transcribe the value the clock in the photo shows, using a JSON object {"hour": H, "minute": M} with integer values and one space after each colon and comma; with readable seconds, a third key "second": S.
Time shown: {"hour": 9, "minute": 58}
